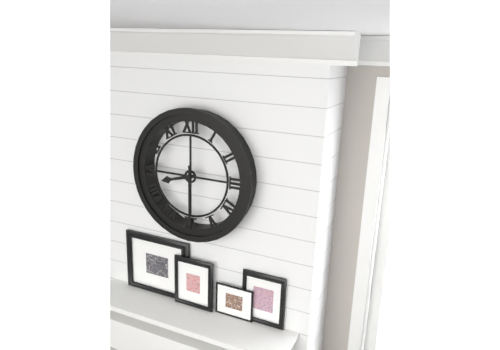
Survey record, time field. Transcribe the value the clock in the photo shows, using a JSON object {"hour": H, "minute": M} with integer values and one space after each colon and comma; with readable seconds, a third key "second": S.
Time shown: {"hour": 8, "minute": 30}
